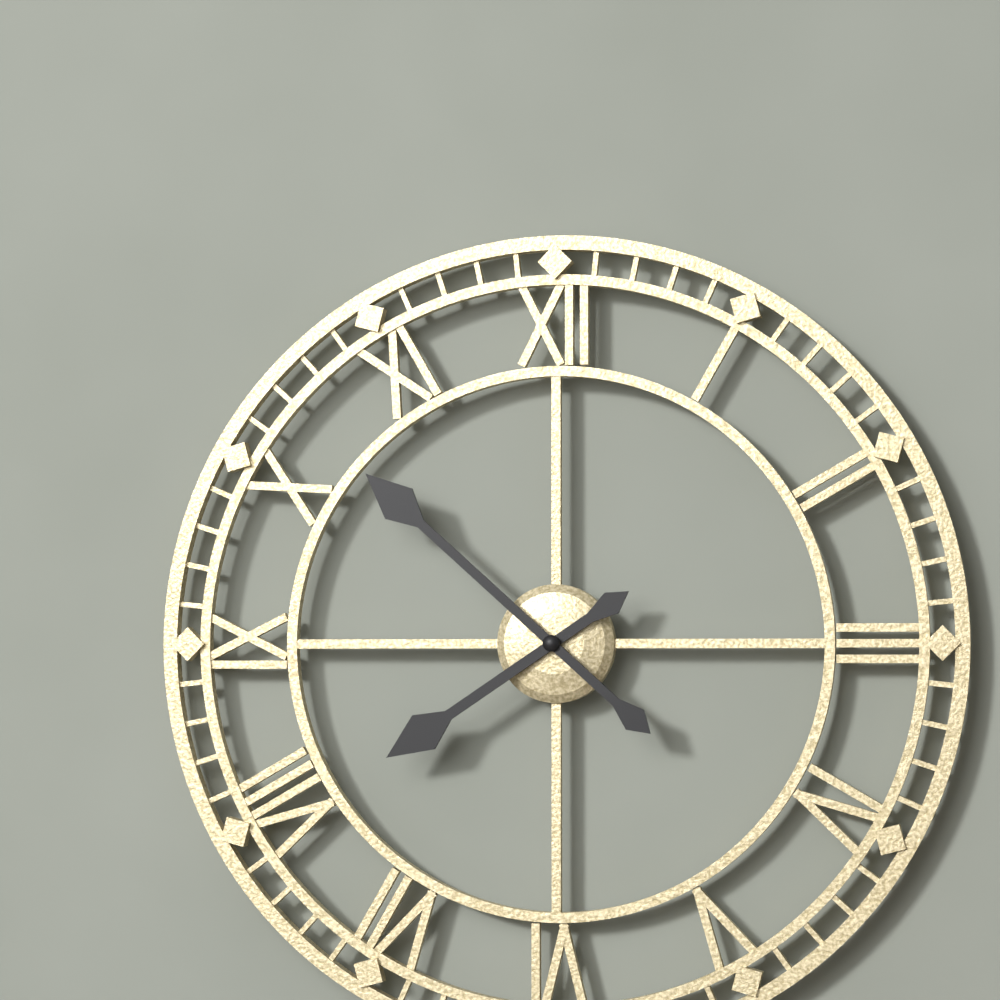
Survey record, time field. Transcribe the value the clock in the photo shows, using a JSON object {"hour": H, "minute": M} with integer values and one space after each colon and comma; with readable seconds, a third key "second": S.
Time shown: {"hour": 7, "minute": 52}
